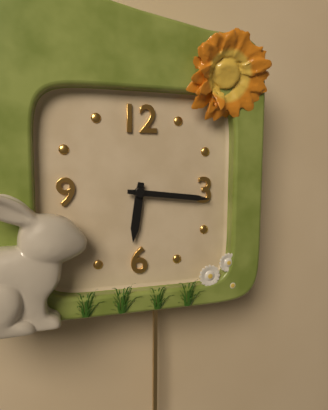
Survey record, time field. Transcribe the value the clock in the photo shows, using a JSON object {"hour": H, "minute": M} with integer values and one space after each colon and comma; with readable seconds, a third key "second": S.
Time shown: {"hour": 6, "minute": 16}
